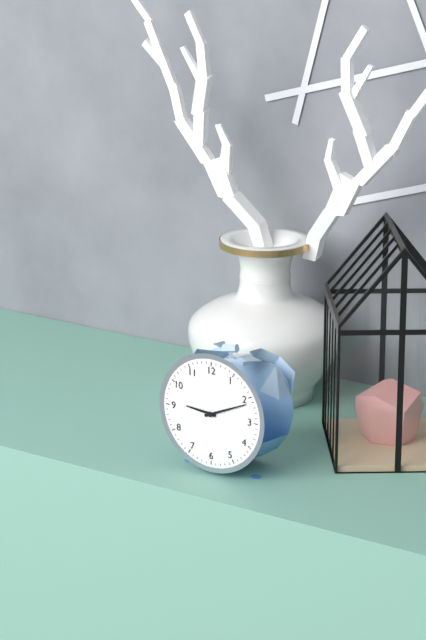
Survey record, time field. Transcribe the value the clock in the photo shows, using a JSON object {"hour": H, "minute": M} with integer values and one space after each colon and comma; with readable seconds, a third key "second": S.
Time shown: {"hour": 9, "minute": 11}
